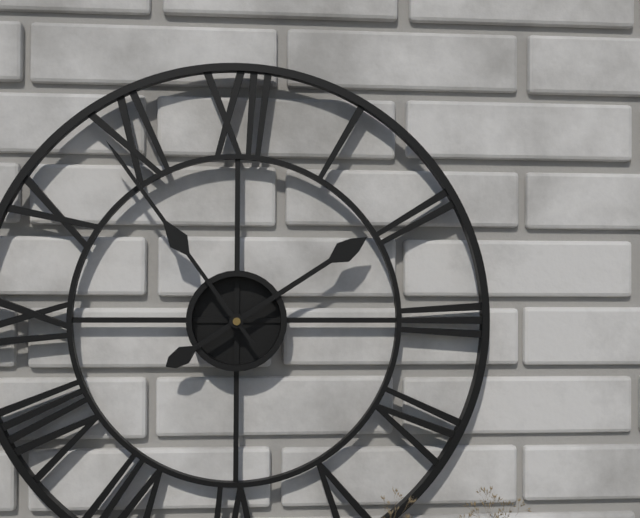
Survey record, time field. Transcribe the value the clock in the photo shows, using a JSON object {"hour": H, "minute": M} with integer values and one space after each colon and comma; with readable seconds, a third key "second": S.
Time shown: {"hour": 1, "minute": 54}
